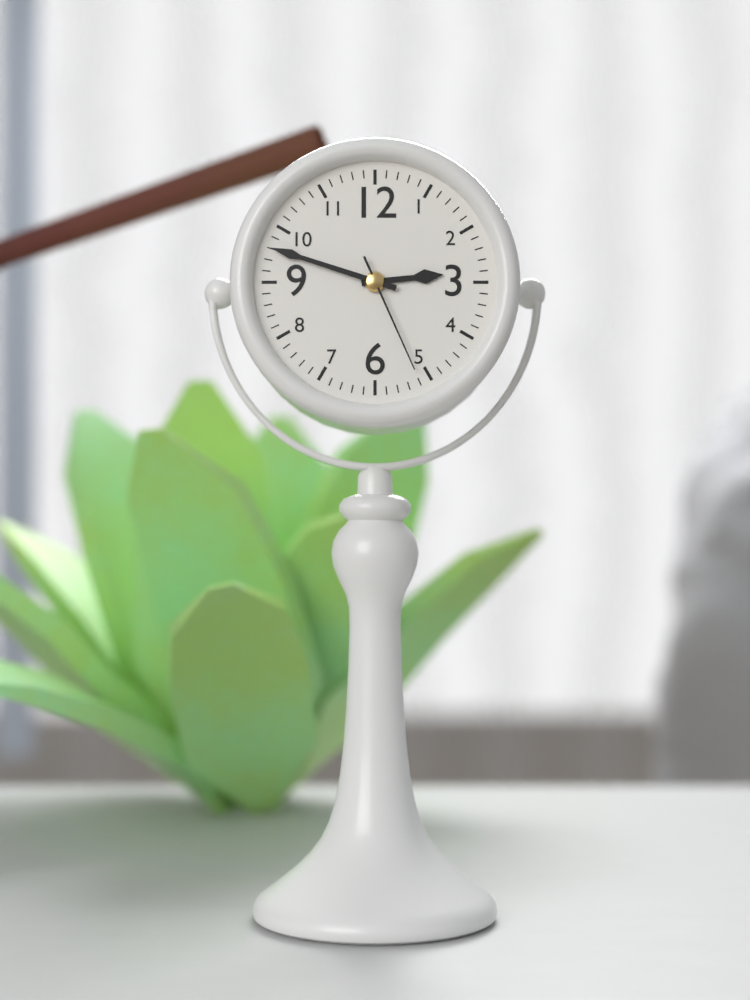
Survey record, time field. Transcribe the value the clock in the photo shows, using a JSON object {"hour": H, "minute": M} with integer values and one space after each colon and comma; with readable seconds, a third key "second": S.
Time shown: {"hour": 2, "minute": 48, "second": 26}
